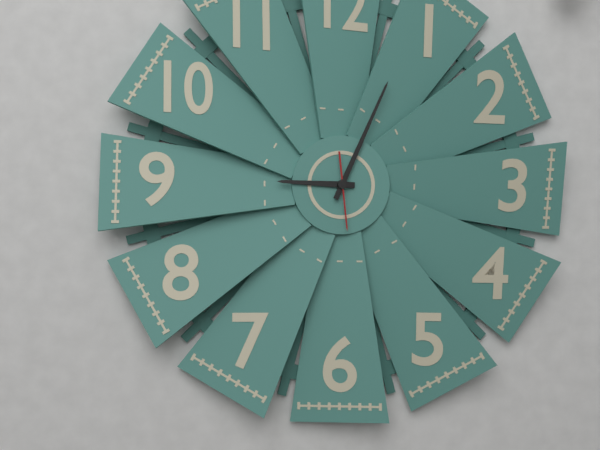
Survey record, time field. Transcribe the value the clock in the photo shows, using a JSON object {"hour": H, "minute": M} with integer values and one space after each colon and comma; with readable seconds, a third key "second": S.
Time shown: {"hour": 9, "minute": 4, "second": 29}
